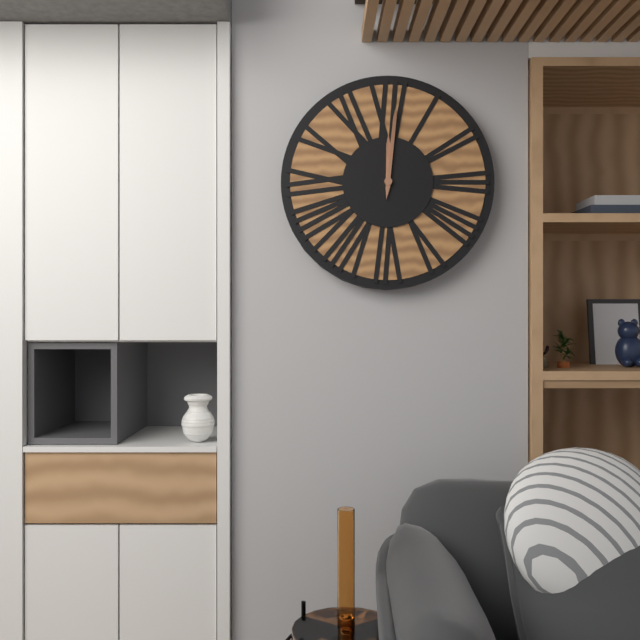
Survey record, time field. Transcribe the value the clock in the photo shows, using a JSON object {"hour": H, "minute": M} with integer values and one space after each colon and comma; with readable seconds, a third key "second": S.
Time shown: {"hour": 12, "minute": 1}
